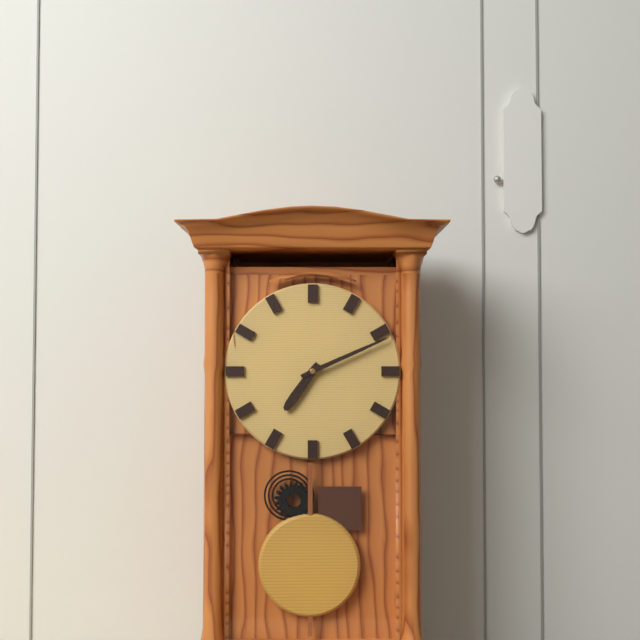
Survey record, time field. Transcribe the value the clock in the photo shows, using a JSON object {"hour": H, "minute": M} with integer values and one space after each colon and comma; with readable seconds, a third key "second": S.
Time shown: {"hour": 7, "minute": 11}
